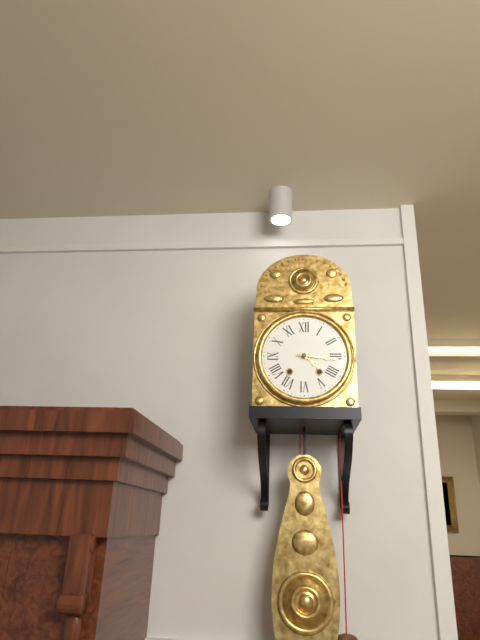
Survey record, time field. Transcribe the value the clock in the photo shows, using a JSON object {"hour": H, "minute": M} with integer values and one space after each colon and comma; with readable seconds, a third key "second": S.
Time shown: {"hour": 4, "minute": 16}
